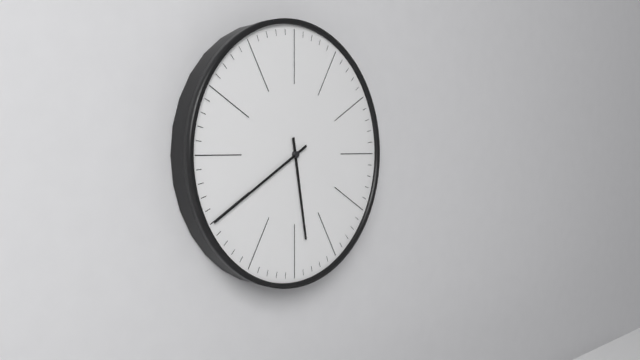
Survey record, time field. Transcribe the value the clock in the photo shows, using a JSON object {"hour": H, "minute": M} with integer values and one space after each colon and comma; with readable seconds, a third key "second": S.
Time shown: {"hour": 5, "minute": 40}
